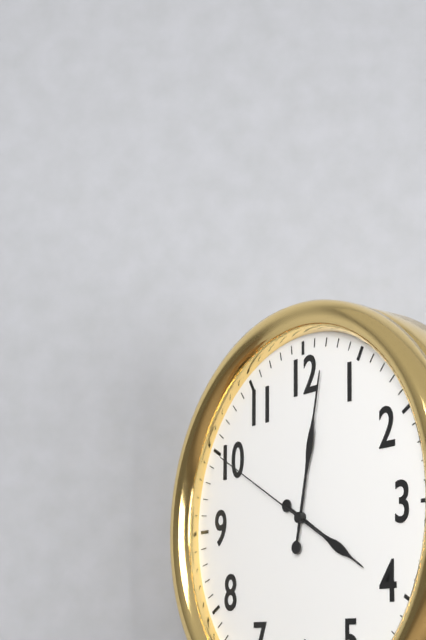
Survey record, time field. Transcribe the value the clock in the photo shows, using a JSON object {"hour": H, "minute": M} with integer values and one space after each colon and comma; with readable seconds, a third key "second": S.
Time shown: {"hour": 4, "minute": 2, "second": 50}
